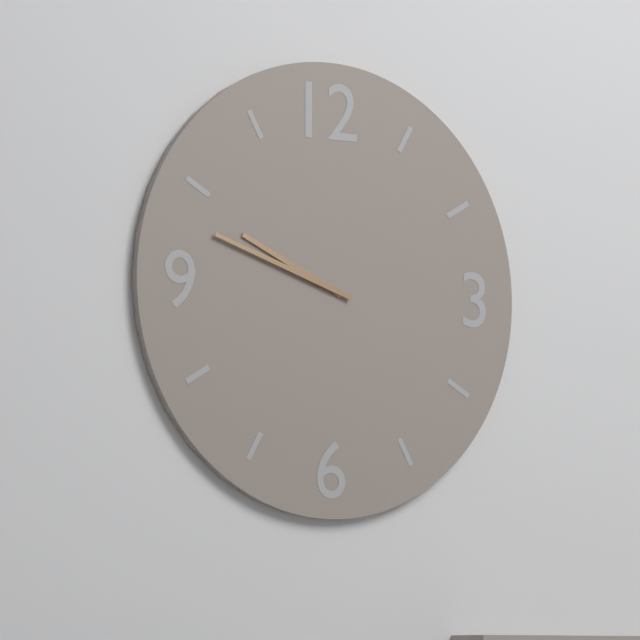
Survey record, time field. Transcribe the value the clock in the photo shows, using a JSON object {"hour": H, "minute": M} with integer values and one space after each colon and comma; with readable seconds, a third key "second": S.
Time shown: {"hour": 9, "minute": 48}
